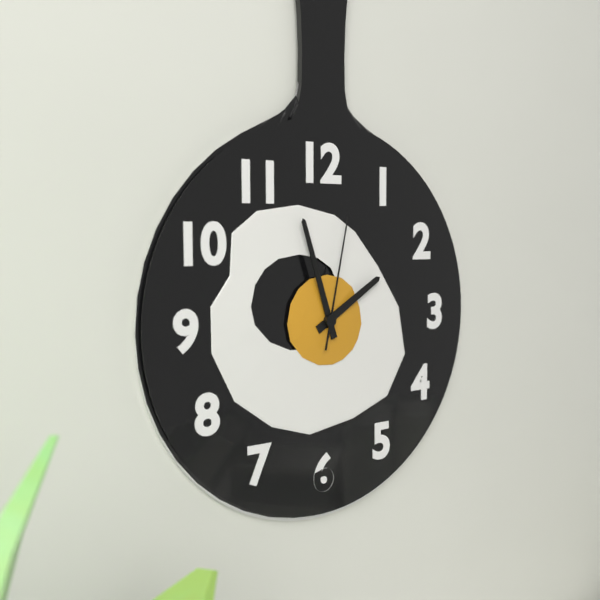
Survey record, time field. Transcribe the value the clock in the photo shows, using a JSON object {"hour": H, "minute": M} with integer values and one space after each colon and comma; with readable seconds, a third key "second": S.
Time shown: {"hour": 1, "minute": 57, "second": 2}
